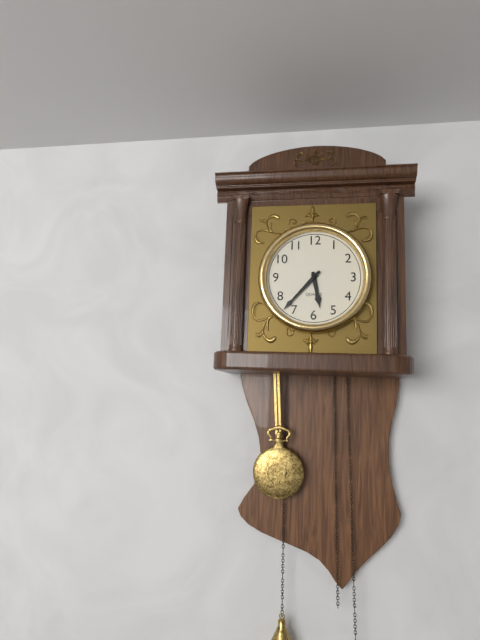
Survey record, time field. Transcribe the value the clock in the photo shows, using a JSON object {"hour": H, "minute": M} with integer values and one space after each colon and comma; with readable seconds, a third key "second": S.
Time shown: {"hour": 5, "minute": 37}
